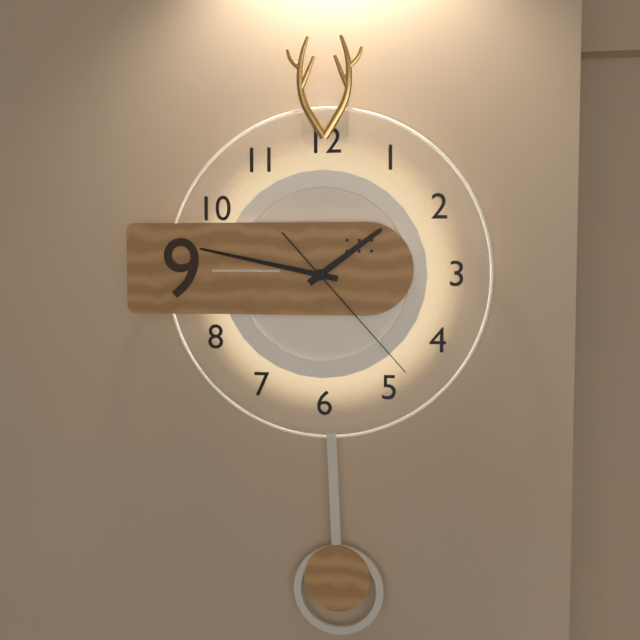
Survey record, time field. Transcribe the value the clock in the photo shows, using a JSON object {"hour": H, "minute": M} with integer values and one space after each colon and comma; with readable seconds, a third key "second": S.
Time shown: {"hour": 1, "minute": 47, "second": 23}
